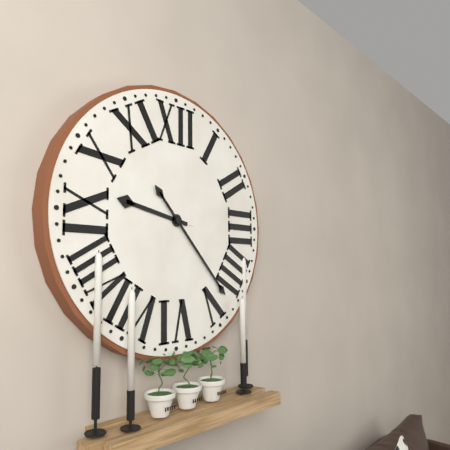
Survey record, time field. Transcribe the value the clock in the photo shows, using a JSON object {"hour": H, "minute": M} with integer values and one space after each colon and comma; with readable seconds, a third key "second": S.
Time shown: {"hour": 9, "minute": 23}
